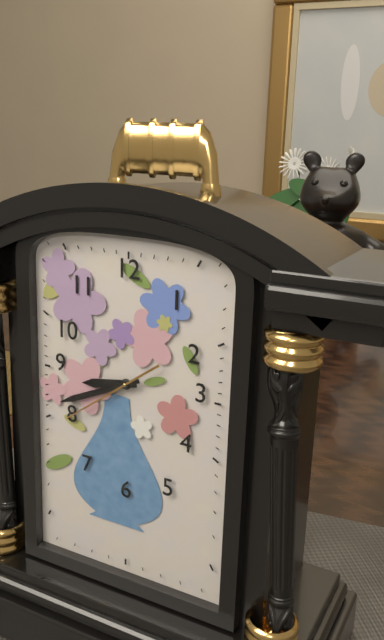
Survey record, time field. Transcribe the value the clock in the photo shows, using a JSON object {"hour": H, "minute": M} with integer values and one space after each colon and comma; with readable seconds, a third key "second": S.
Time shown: {"hour": 8, "minute": 41, "second": 39}
